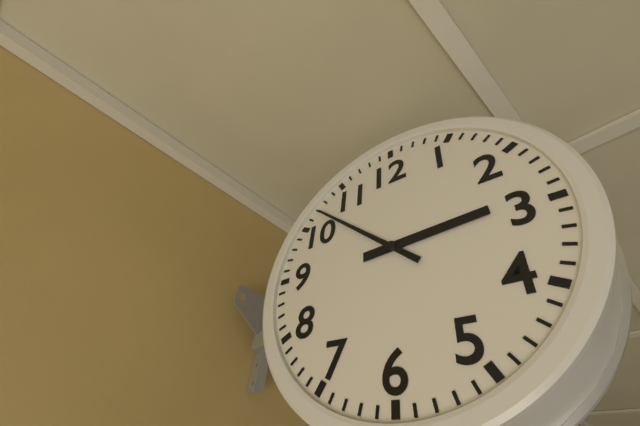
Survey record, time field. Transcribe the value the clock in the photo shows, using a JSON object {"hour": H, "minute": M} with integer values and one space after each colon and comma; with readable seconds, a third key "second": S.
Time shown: {"hour": 2, "minute": 52}
